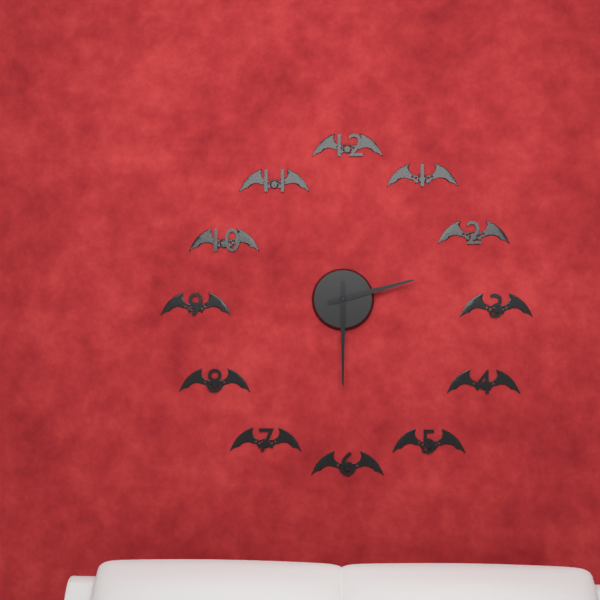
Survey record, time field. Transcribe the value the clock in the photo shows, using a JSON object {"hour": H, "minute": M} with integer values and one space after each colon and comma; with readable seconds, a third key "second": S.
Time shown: {"hour": 2, "minute": 30}
